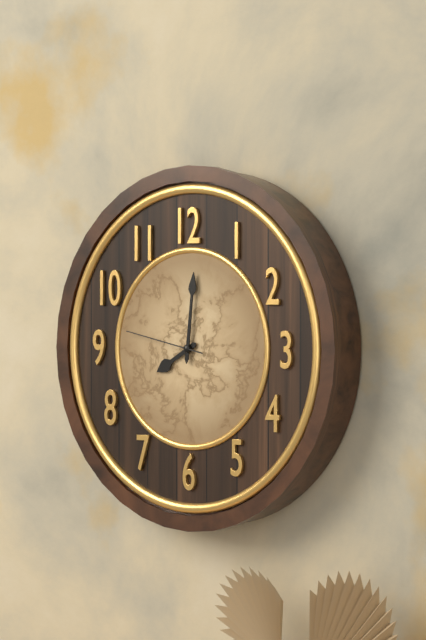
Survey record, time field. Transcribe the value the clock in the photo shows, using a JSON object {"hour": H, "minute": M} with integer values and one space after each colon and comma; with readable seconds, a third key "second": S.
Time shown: {"hour": 8, "minute": 1, "second": 47}
